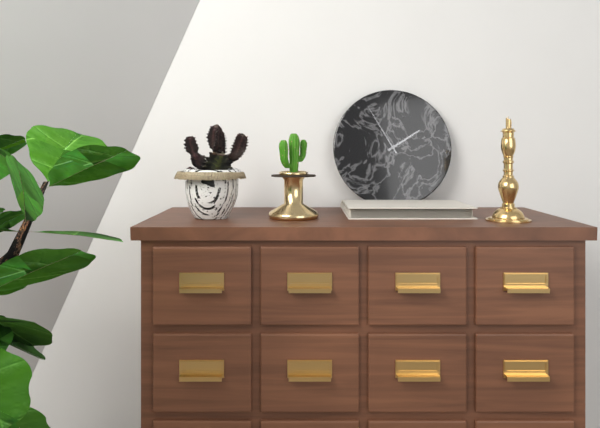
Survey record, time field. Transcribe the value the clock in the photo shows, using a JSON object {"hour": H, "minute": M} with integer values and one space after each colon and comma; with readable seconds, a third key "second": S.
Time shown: {"hour": 1, "minute": 55}
